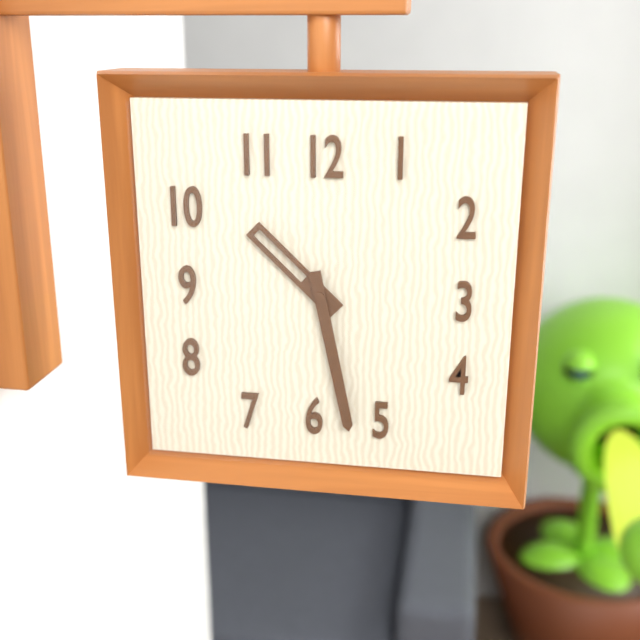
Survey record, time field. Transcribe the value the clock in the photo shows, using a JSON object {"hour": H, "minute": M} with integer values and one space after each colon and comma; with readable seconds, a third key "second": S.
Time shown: {"hour": 10, "minute": 28}
